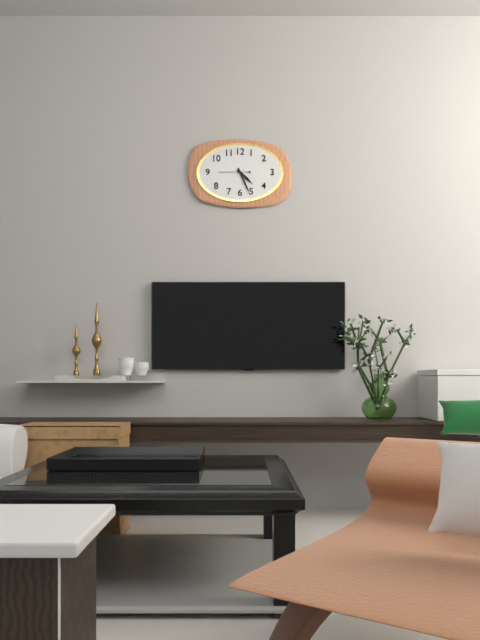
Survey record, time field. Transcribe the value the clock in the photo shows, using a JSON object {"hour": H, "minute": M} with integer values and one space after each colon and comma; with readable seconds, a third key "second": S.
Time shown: {"hour": 4, "minute": 26}
